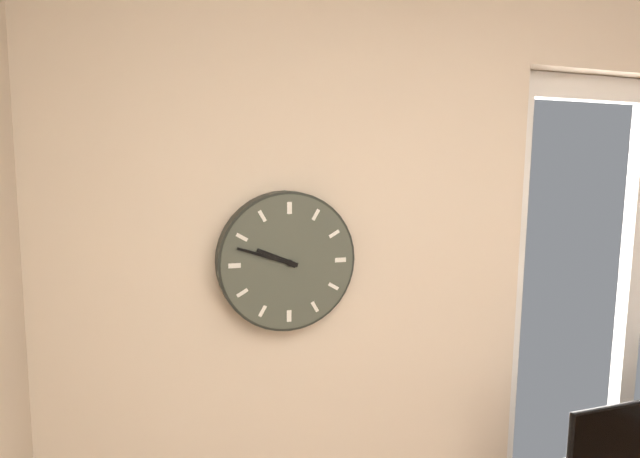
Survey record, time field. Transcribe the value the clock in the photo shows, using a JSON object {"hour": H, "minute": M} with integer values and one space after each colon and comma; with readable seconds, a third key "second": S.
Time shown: {"hour": 9, "minute": 48}
